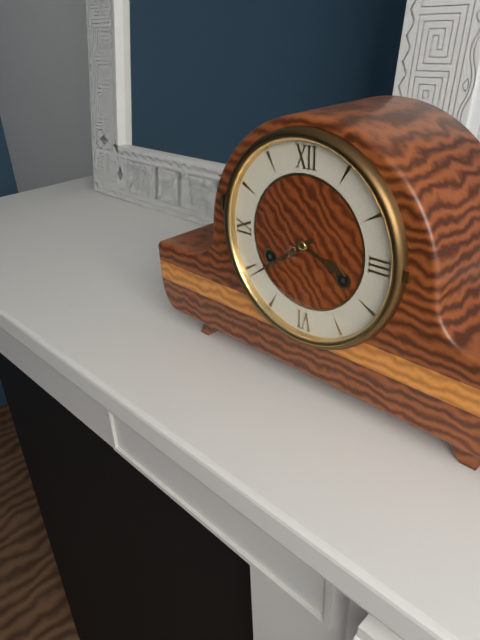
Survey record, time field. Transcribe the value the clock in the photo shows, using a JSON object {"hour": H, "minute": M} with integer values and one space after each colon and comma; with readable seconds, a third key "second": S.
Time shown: {"hour": 3, "minute": 39}
